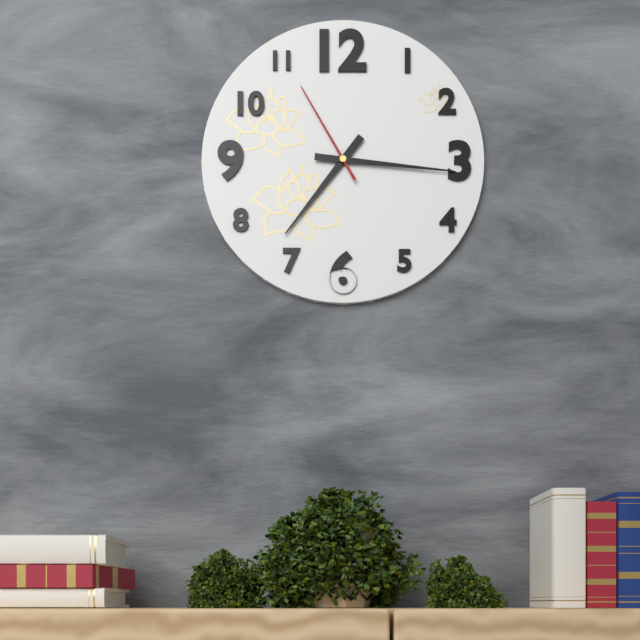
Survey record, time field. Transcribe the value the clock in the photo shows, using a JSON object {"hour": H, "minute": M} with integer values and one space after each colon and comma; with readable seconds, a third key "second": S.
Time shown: {"hour": 7, "minute": 16, "second": 55}
